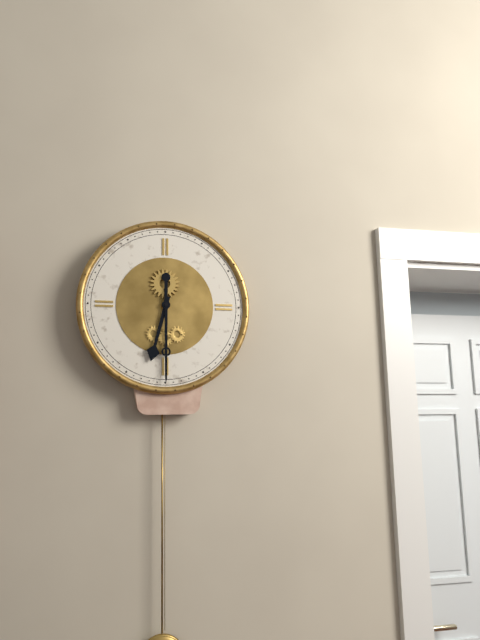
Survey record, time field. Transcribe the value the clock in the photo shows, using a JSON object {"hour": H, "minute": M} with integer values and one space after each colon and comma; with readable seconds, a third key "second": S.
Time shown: {"hour": 6, "minute": 30}
